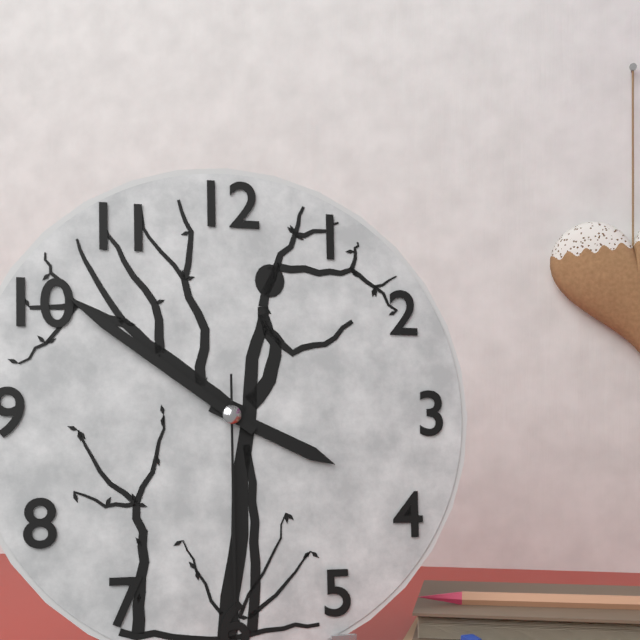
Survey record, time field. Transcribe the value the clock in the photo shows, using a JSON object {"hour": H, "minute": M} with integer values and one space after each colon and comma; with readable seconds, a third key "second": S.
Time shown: {"hour": 3, "minute": 51, "second": 30}
